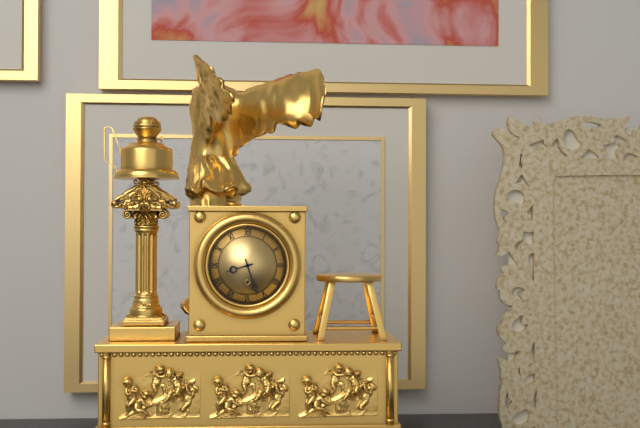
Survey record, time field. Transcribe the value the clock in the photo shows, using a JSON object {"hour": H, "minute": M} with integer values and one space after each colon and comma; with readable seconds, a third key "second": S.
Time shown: {"hour": 8, "minute": 27}
